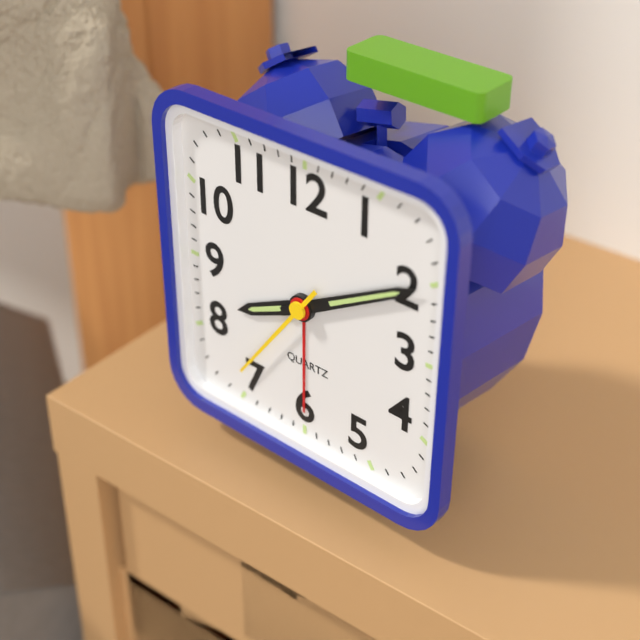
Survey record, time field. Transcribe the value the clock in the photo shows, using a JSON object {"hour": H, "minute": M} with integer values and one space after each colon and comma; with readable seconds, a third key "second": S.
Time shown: {"hour": 8, "minute": 10, "second": 36}
